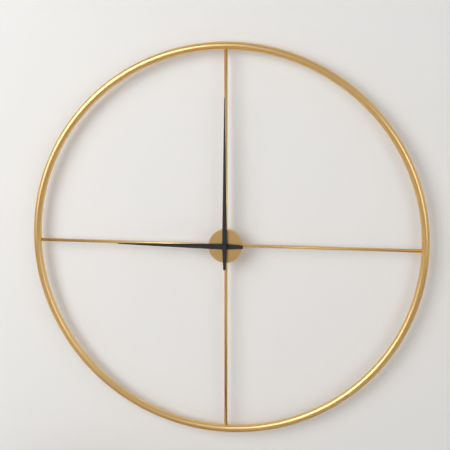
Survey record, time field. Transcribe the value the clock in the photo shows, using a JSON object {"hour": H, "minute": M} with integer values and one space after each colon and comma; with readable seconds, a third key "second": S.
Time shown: {"hour": 9, "minute": 0}
